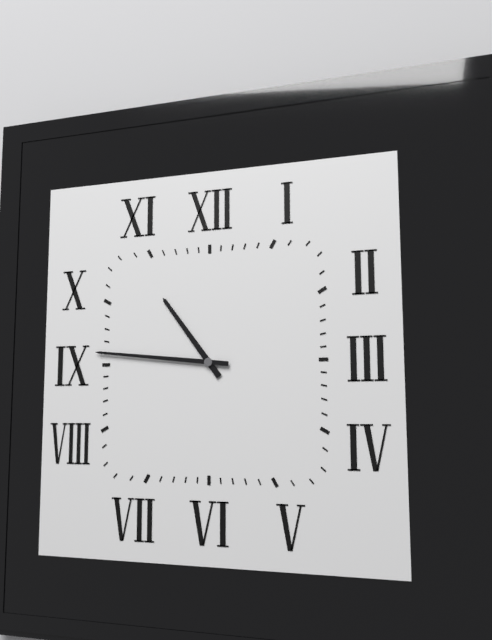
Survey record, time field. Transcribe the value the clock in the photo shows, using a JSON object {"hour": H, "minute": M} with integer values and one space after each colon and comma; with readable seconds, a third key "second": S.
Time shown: {"hour": 10, "minute": 46}
